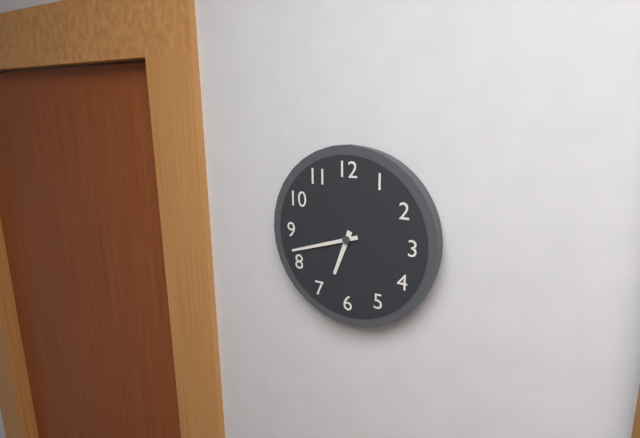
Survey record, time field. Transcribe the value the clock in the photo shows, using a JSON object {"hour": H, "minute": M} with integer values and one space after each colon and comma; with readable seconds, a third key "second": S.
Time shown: {"hour": 6, "minute": 42}
